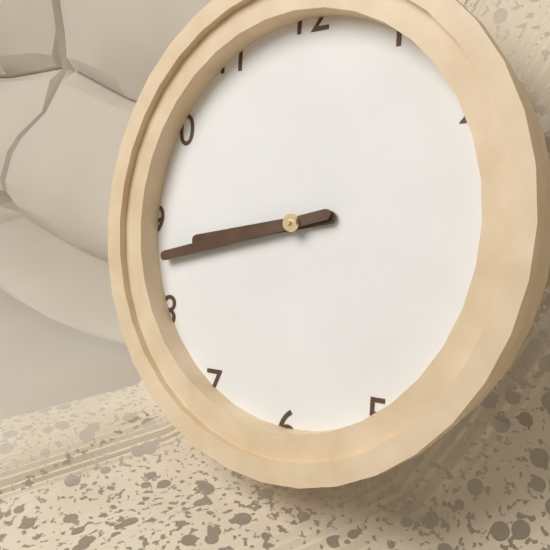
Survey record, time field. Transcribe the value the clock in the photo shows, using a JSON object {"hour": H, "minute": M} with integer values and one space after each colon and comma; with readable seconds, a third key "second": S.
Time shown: {"hour": 8, "minute": 43}
